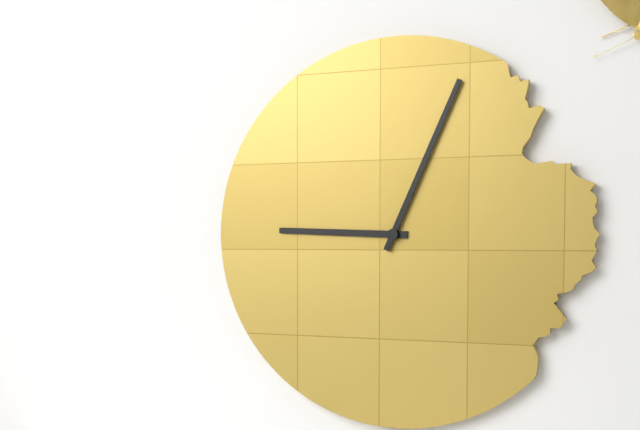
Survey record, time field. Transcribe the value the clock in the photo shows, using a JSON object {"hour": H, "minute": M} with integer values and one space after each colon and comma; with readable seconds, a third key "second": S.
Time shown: {"hour": 9, "minute": 4}
